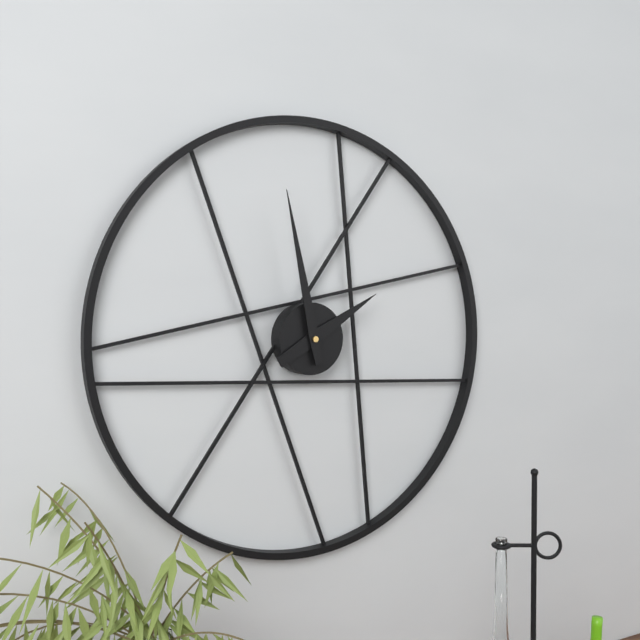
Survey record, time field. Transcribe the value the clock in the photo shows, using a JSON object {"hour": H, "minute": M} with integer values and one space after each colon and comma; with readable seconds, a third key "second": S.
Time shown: {"hour": 1, "minute": 58}
